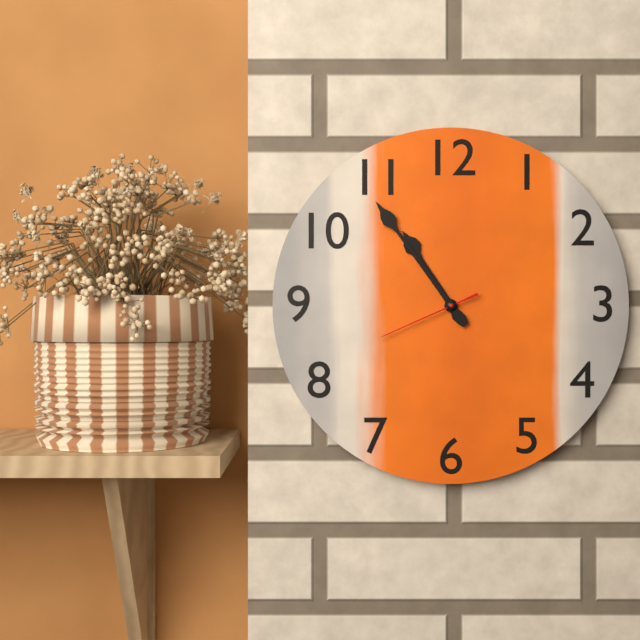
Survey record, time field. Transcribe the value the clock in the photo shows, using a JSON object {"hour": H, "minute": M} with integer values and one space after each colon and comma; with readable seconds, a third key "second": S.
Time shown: {"hour": 10, "minute": 54, "second": 41}
